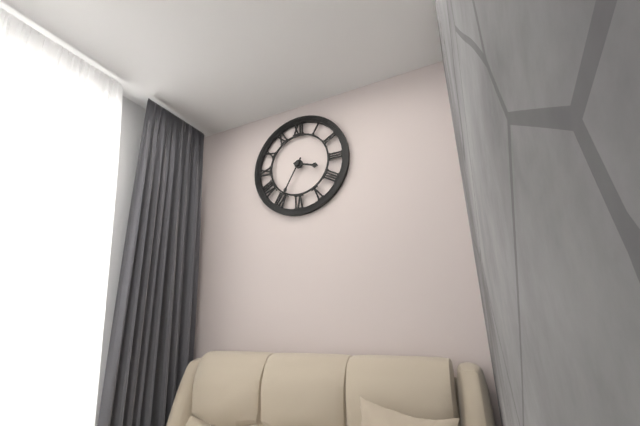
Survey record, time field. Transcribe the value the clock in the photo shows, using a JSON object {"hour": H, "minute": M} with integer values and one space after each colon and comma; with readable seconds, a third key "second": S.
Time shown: {"hour": 3, "minute": 35}
